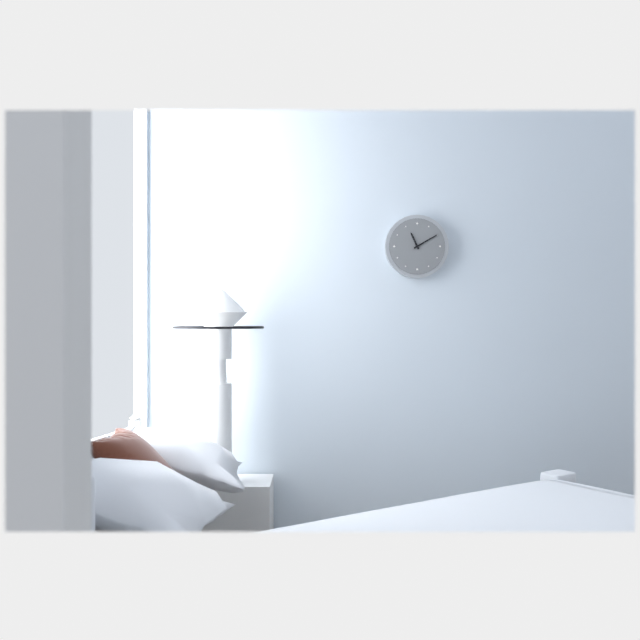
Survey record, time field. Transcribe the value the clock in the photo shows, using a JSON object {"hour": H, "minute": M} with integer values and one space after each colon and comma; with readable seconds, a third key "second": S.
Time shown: {"hour": 11, "minute": 10}
